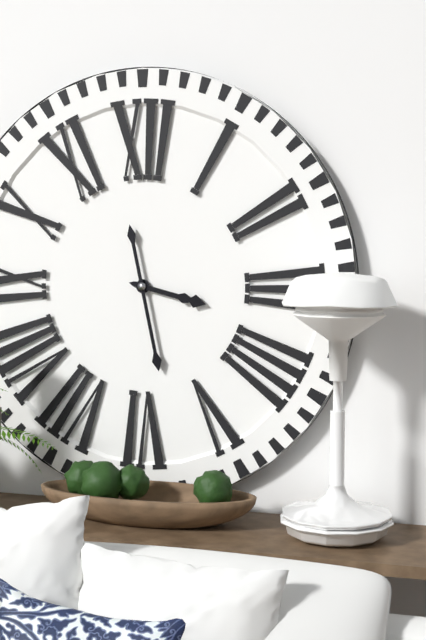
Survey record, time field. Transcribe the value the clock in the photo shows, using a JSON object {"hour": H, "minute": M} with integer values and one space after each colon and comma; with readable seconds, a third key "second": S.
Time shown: {"hour": 3, "minute": 28}
